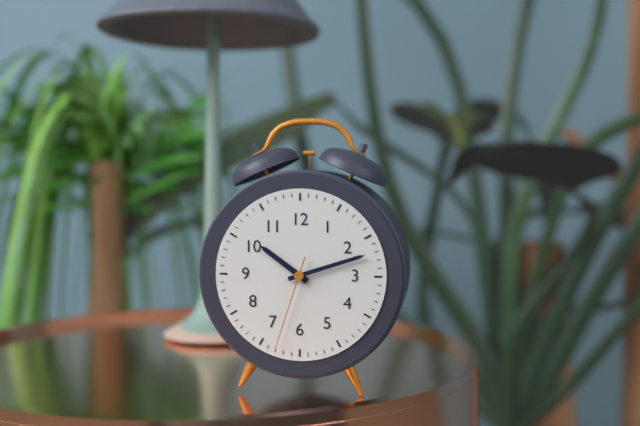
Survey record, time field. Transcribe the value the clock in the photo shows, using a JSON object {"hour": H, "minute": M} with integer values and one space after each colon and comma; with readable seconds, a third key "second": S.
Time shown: {"hour": 10, "minute": 12, "second": 33}
